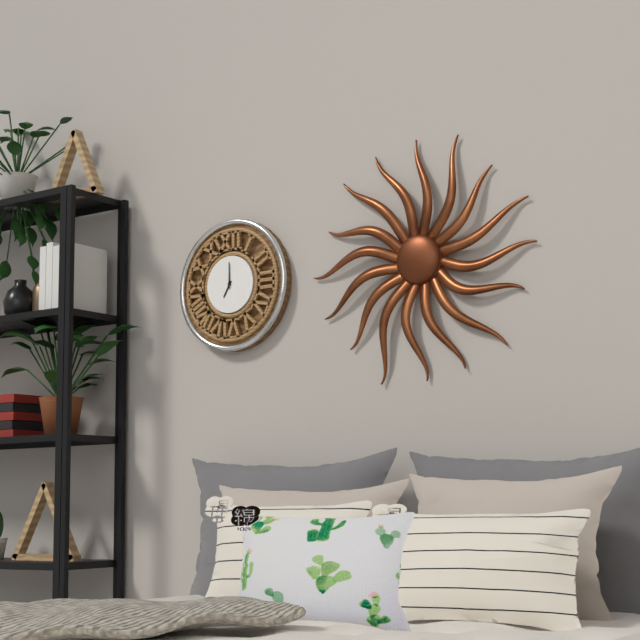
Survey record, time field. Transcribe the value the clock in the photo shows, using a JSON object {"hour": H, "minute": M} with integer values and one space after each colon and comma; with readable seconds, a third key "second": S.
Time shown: {"hour": 7, "minute": 0}
